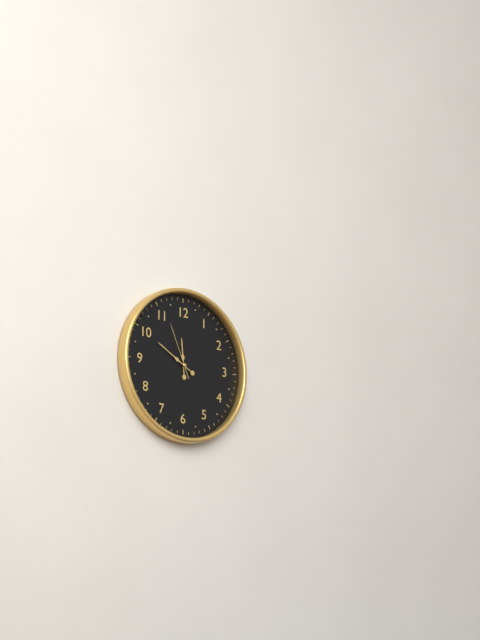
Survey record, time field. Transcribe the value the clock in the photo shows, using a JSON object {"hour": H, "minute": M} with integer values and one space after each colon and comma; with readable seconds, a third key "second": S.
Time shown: {"hour": 11, "minute": 50, "second": 56}
